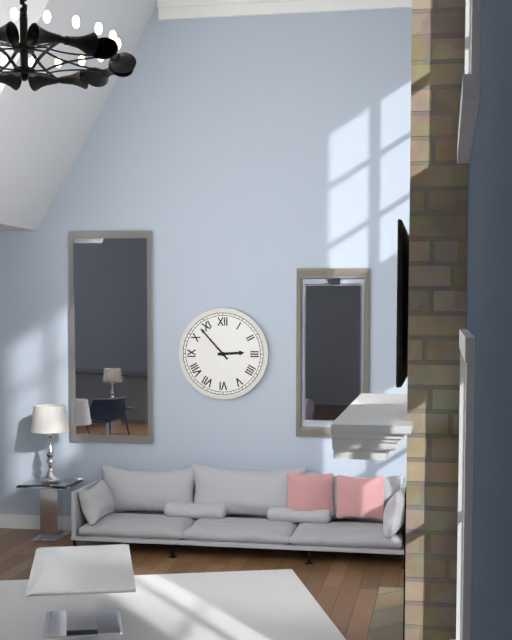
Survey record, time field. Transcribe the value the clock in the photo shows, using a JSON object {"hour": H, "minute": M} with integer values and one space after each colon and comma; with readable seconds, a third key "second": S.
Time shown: {"hour": 2, "minute": 53}
